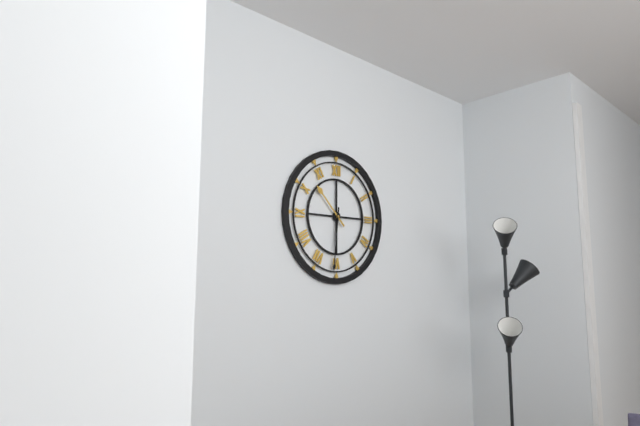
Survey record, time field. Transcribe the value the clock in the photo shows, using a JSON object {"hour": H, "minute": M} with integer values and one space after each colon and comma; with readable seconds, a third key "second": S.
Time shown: {"hour": 10, "minute": 31}
